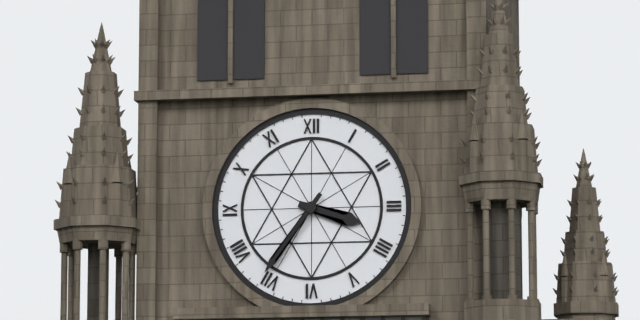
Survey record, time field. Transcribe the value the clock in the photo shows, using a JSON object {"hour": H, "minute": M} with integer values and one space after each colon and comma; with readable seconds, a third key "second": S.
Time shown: {"hour": 3, "minute": 36}
